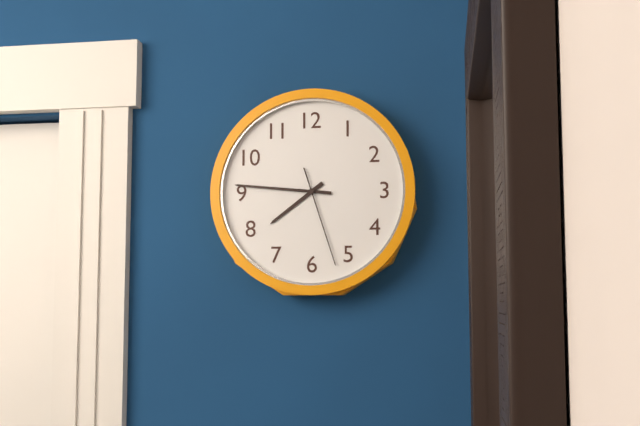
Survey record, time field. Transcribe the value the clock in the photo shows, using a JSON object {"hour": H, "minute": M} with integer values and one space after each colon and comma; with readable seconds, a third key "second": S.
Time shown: {"hour": 7, "minute": 46, "second": 27}
